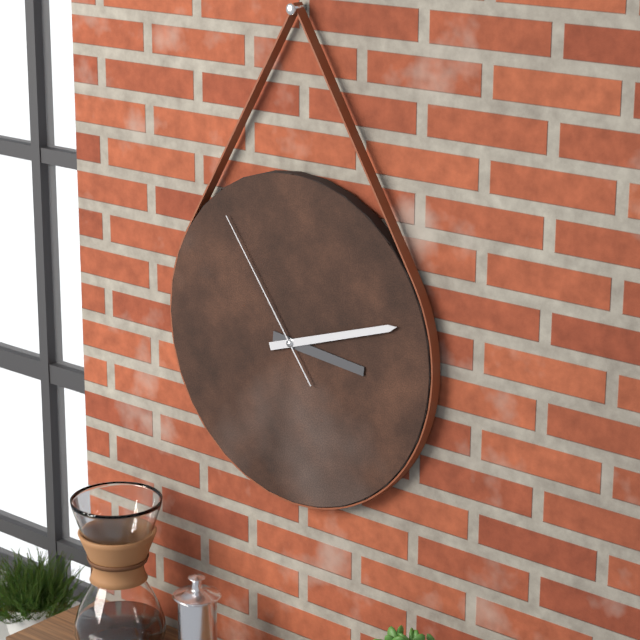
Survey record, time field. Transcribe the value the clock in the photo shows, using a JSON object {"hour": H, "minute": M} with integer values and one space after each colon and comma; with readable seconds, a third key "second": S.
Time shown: {"hour": 3, "minute": 12, "second": 54}
